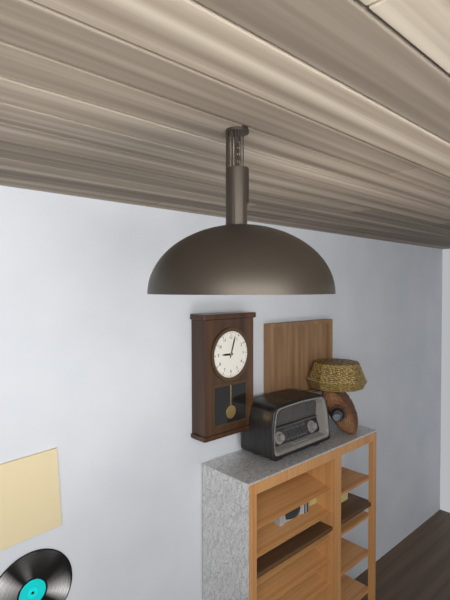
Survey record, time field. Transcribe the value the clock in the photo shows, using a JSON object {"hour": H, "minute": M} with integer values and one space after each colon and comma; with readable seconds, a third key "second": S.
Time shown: {"hour": 9, "minute": 3}
